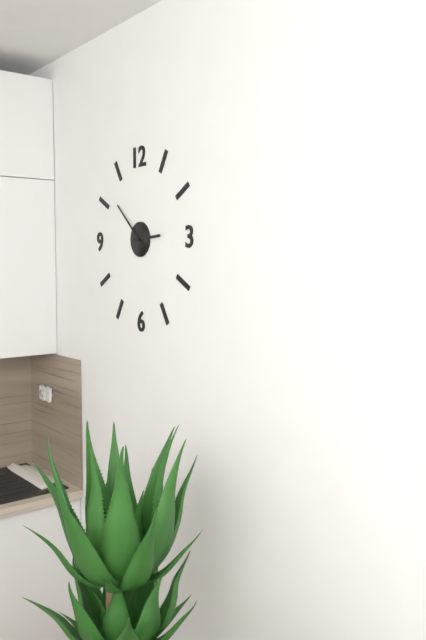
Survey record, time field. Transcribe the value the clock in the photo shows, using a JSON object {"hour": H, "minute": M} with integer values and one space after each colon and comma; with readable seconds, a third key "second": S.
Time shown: {"hour": 2, "minute": 52}
